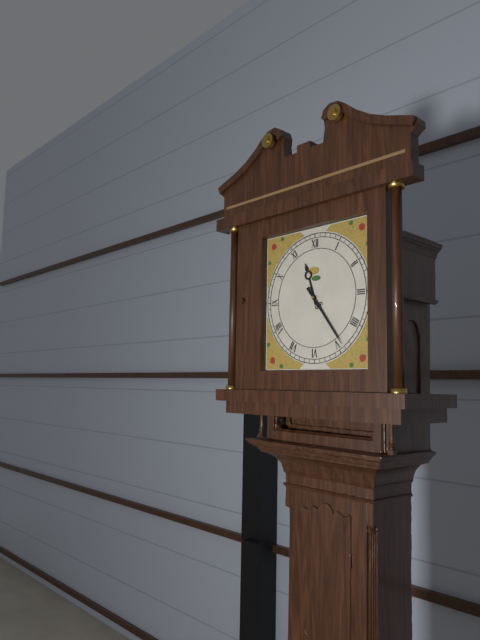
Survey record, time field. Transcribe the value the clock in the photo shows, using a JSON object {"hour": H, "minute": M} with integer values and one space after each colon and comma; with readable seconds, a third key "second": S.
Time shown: {"hour": 11, "minute": 24}
